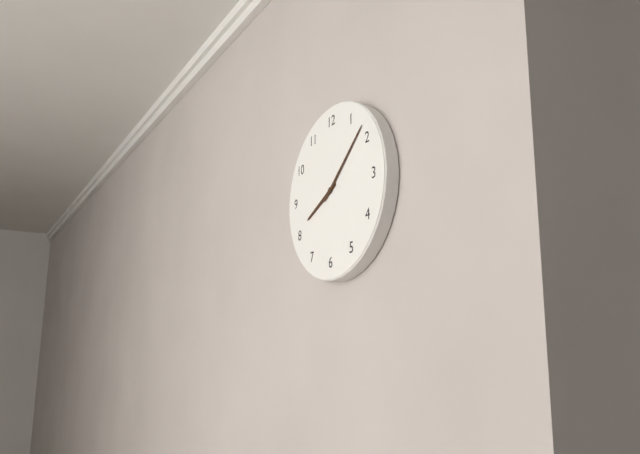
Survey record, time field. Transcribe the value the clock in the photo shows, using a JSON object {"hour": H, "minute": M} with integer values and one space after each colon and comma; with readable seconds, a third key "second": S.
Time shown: {"hour": 8, "minute": 8}
